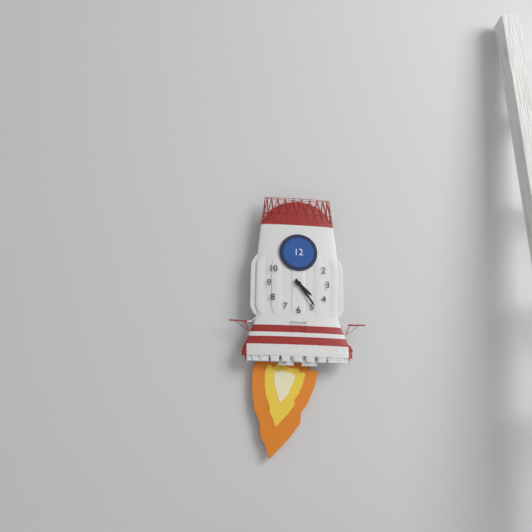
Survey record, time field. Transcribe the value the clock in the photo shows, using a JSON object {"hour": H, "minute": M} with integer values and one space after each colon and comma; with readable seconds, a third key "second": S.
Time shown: {"hour": 4, "minute": 24}
